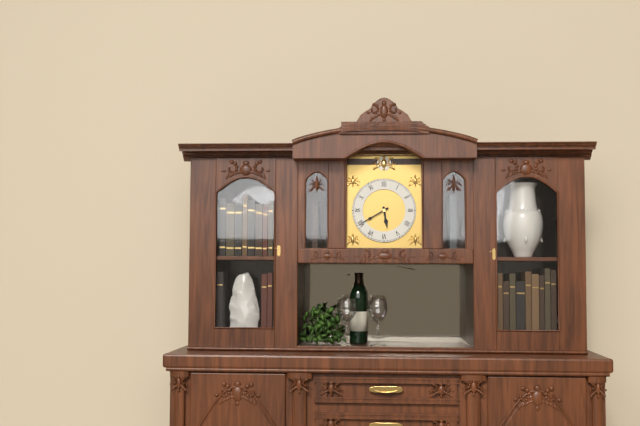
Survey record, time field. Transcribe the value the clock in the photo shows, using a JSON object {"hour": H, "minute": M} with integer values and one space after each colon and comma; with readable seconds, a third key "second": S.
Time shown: {"hour": 5, "minute": 40}
